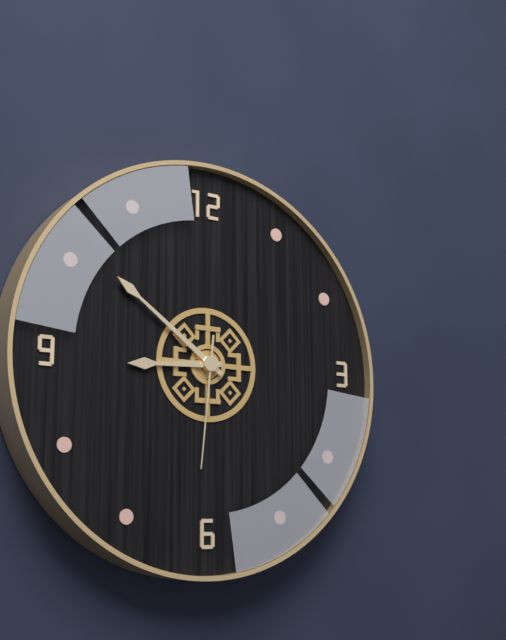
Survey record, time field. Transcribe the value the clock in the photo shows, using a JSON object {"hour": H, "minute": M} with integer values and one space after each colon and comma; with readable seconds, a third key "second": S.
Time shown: {"hour": 8, "minute": 51, "second": 31}
